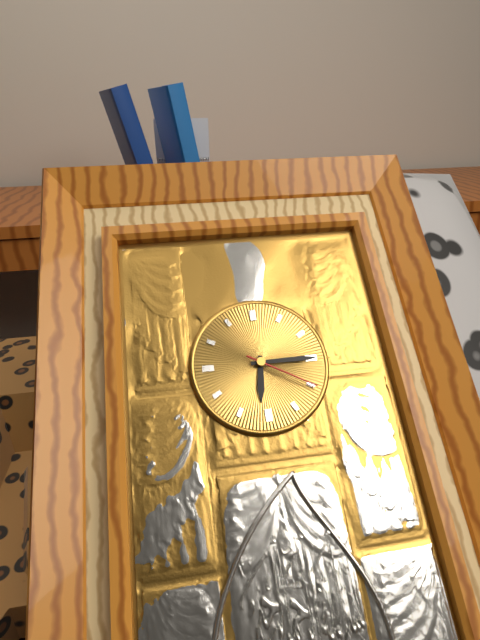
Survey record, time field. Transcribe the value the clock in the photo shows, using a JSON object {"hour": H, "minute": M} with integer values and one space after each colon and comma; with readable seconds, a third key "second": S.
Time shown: {"hour": 6, "minute": 15, "second": 20}
